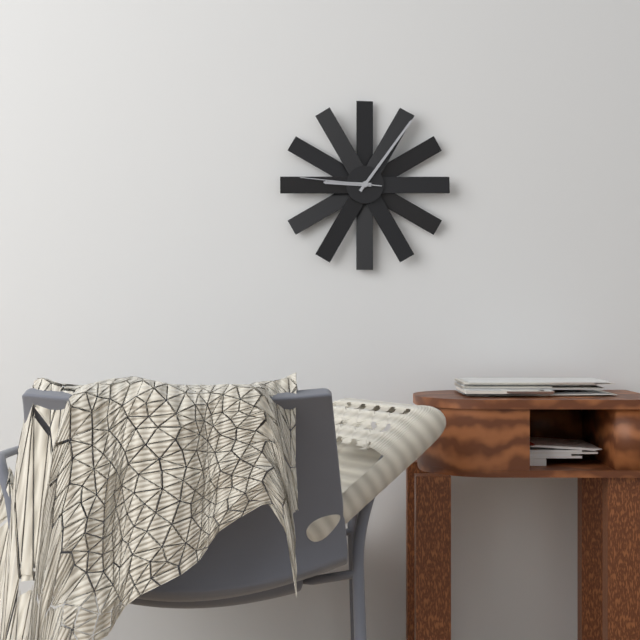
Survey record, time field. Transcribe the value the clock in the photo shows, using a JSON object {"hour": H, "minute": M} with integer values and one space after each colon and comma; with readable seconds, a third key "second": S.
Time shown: {"hour": 9, "minute": 6, "second": 46}
